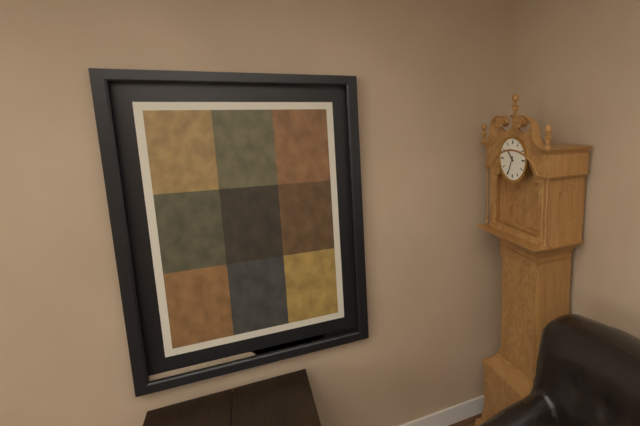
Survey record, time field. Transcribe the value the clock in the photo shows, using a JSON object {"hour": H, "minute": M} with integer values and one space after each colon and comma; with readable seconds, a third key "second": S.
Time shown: {"hour": 10, "minute": 34}
